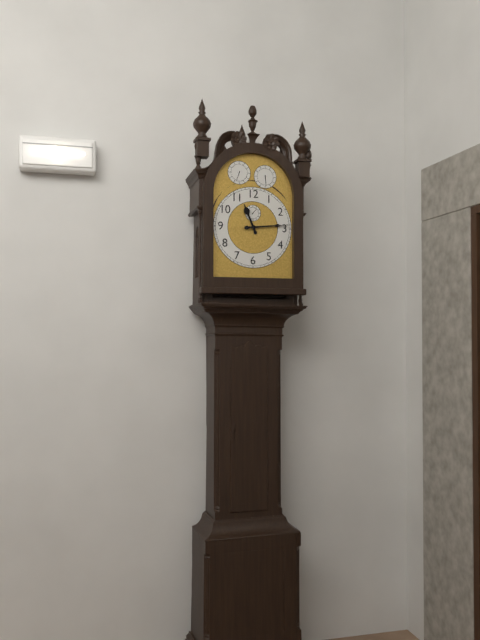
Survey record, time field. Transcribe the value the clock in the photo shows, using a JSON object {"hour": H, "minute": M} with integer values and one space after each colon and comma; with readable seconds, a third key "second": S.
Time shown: {"hour": 11, "minute": 14}
